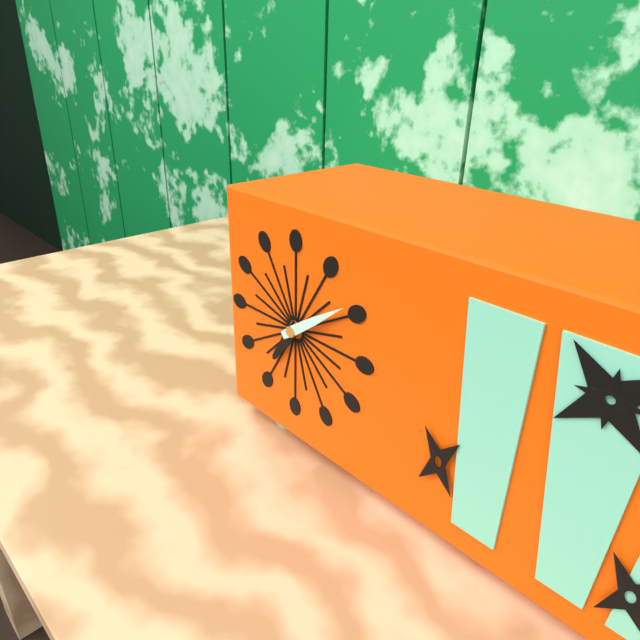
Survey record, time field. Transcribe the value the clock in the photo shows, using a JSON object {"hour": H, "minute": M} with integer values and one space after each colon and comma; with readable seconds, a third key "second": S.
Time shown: {"hour": 7, "minute": 9}
